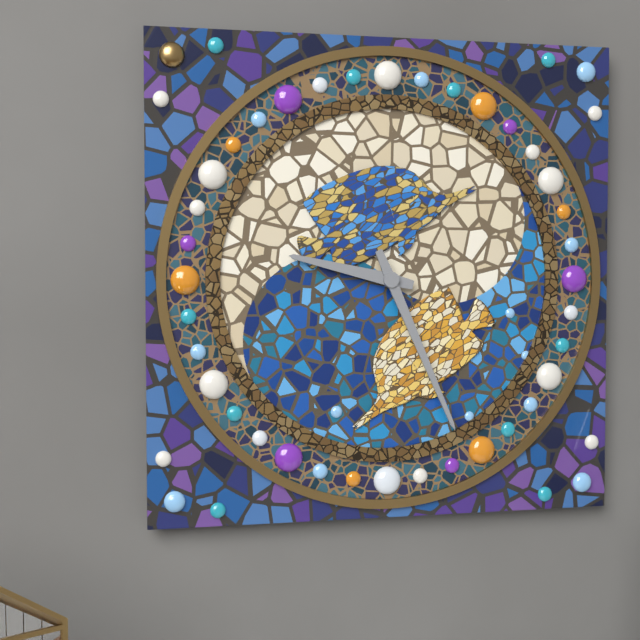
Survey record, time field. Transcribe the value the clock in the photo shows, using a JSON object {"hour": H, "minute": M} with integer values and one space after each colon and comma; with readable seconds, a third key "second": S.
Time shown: {"hour": 9, "minute": 26}
